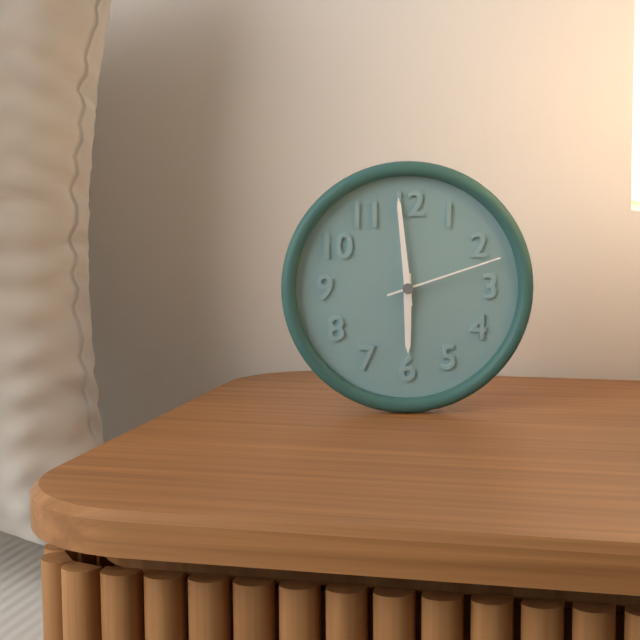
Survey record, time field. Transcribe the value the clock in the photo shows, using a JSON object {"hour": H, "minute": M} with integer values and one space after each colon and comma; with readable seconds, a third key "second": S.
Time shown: {"hour": 5, "minute": 59, "second": 12}
